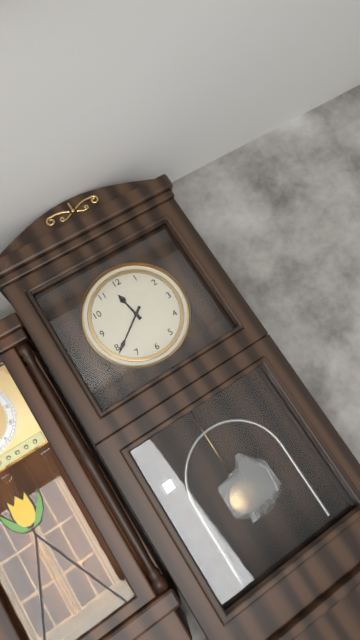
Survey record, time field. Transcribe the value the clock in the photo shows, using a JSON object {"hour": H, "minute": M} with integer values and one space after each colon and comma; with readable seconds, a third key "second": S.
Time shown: {"hour": 11, "minute": 39}
